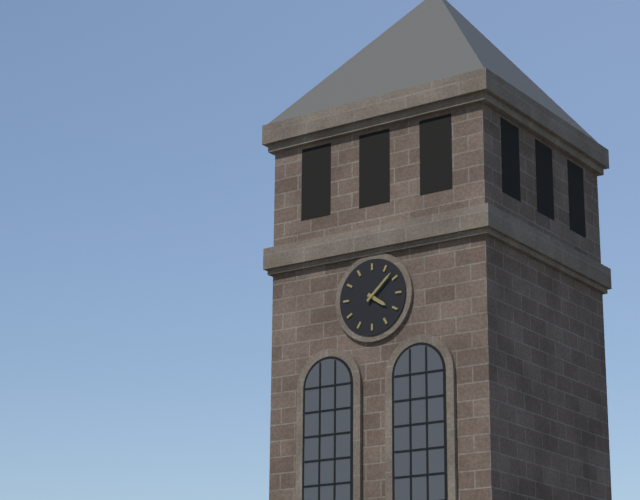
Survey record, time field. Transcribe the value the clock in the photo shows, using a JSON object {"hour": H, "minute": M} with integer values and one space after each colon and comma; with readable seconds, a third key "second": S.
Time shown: {"hour": 4, "minute": 8}
